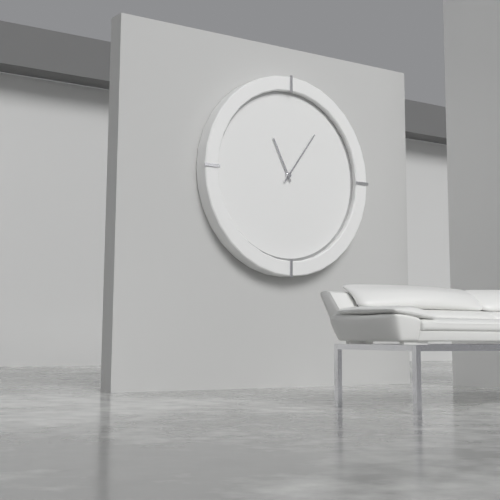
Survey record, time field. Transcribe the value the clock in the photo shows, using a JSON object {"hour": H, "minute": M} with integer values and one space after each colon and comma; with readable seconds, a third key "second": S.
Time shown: {"hour": 11, "minute": 6}
